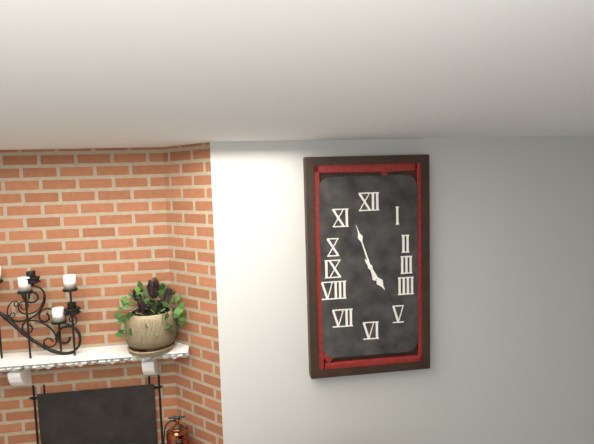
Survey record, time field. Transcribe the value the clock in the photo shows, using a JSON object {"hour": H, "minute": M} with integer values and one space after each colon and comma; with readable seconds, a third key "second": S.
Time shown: {"hour": 4, "minute": 57}
